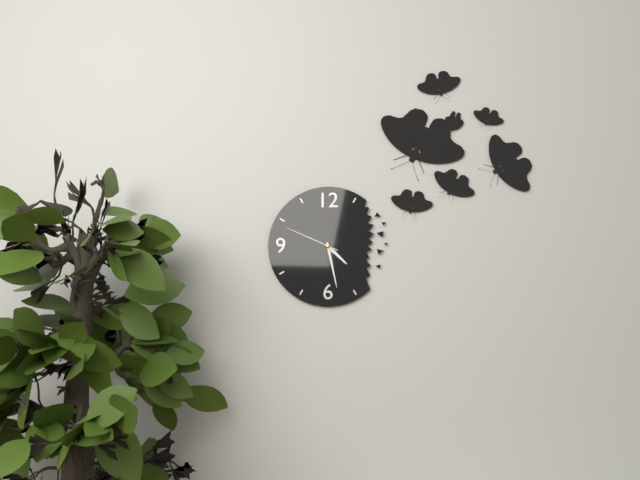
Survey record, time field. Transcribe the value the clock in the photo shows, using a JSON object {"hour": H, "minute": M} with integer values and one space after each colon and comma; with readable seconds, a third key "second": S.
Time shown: {"hour": 4, "minute": 28, "second": 49}
